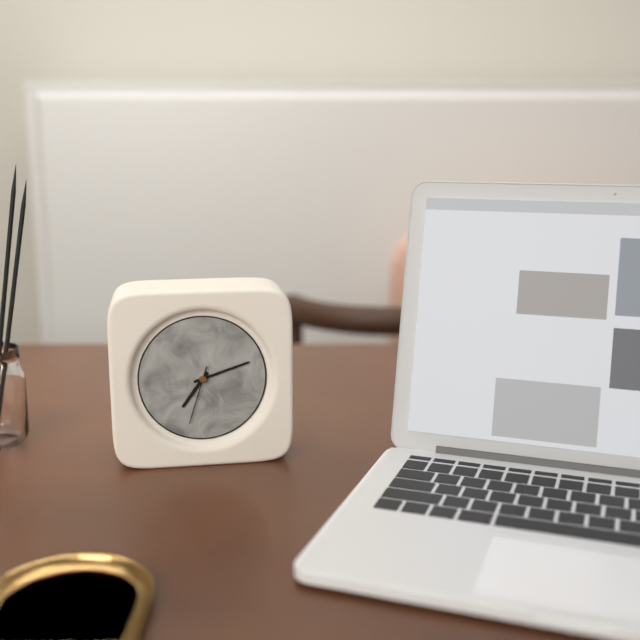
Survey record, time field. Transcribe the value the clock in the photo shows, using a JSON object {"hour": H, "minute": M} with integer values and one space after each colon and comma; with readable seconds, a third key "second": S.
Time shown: {"hour": 7, "minute": 12, "second": 33}
